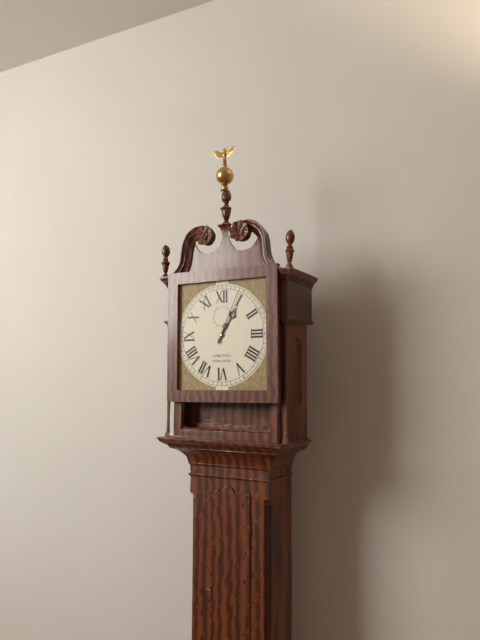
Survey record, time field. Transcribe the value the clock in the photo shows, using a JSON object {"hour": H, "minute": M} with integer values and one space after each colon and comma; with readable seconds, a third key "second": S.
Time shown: {"hour": 1, "minute": 4}
